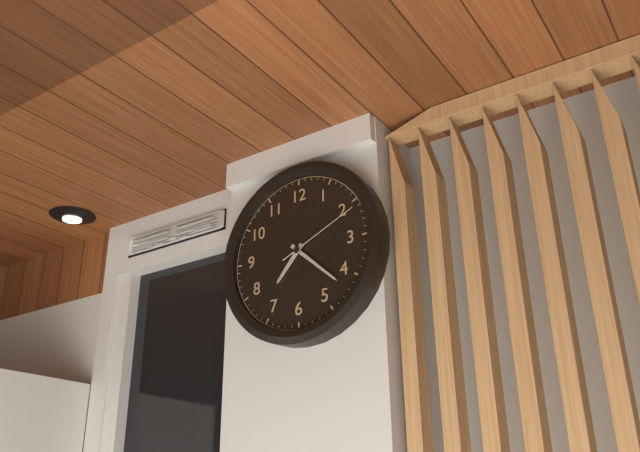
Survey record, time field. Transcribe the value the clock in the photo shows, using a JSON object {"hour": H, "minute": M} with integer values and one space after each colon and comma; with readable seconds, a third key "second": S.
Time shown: {"hour": 7, "minute": 22, "second": 11}
